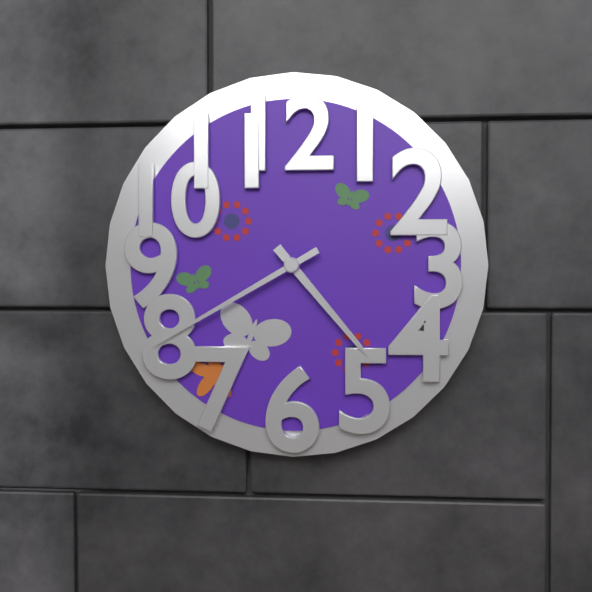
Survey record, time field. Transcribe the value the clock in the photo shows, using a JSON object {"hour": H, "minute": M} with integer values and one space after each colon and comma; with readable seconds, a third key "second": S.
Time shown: {"hour": 4, "minute": 40}
